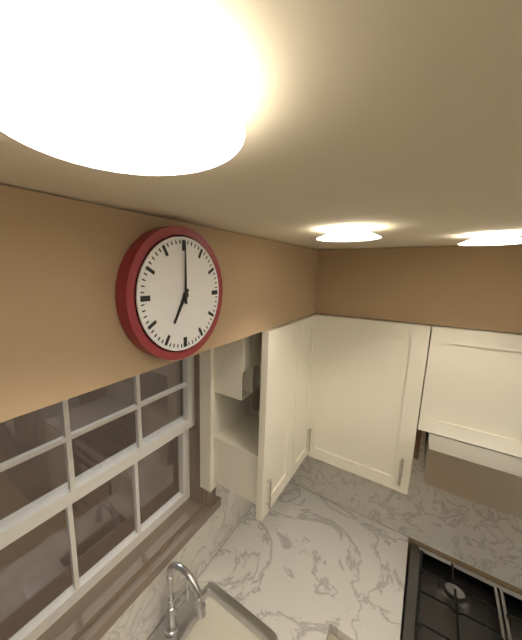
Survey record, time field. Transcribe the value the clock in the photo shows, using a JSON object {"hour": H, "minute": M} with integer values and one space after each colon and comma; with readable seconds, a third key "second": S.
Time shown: {"hour": 7, "minute": 0}
